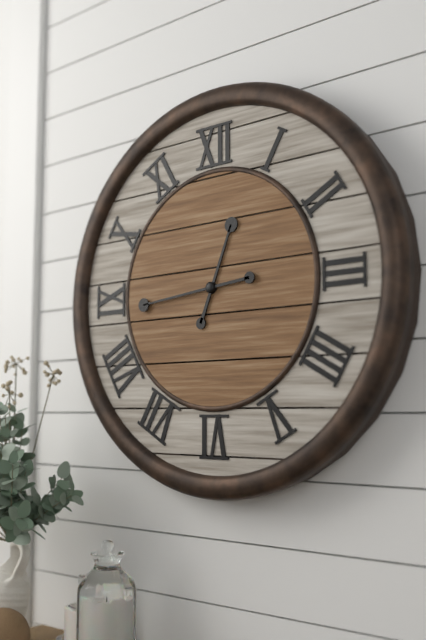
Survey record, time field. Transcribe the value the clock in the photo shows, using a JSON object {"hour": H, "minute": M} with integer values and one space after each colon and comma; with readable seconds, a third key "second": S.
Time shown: {"hour": 12, "minute": 44}
